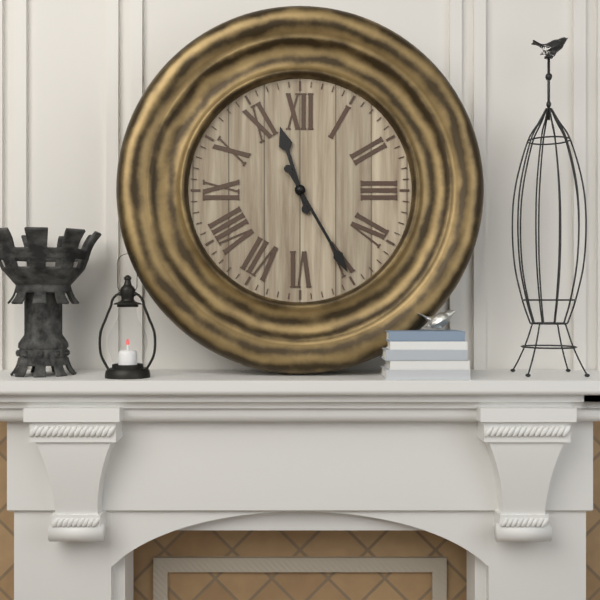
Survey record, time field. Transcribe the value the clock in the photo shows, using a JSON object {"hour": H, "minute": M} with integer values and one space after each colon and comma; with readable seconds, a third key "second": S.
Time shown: {"hour": 11, "minute": 25}
